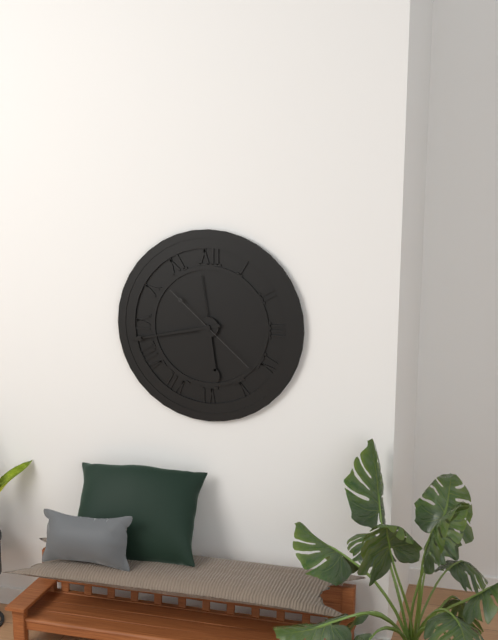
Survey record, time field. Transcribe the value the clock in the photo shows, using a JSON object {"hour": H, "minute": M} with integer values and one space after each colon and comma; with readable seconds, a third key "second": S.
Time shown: {"hour": 5, "minute": 43, "second": 22}
